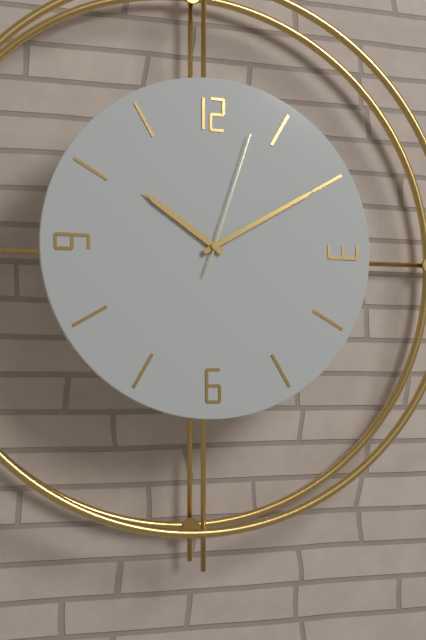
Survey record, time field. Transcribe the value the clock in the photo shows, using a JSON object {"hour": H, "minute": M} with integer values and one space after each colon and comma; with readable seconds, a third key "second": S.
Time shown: {"hour": 10, "minute": 10, "second": 3}
